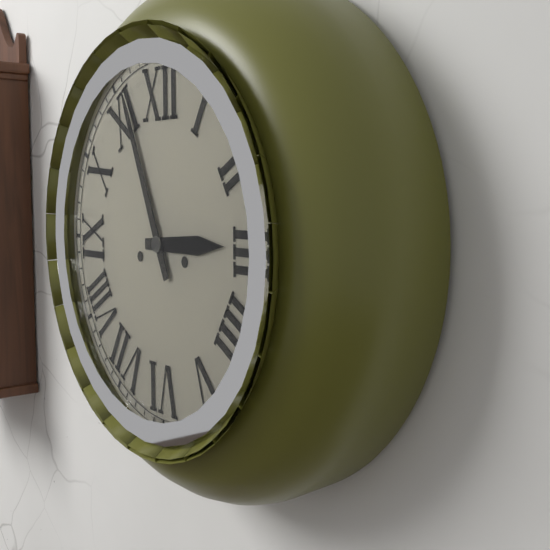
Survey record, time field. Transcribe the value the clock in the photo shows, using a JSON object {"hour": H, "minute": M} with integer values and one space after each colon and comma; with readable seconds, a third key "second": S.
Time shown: {"hour": 2, "minute": 56}
